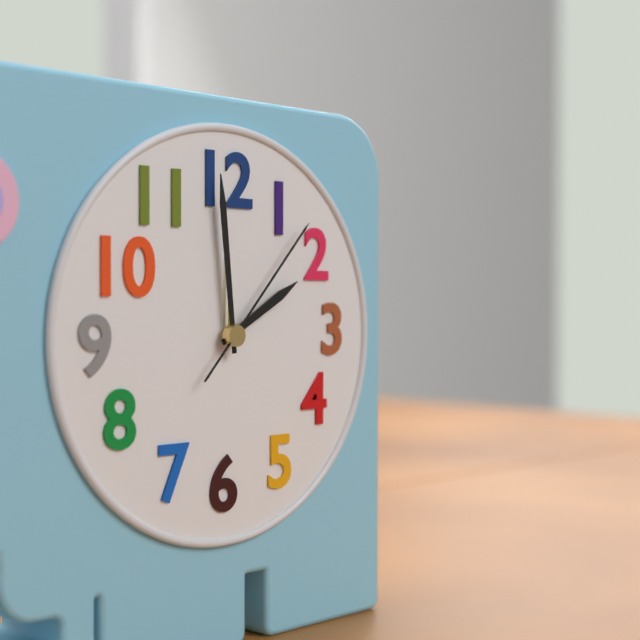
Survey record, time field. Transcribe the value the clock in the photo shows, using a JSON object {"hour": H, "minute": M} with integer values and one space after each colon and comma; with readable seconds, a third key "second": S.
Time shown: {"hour": 1, "minute": 59, "second": 7}
